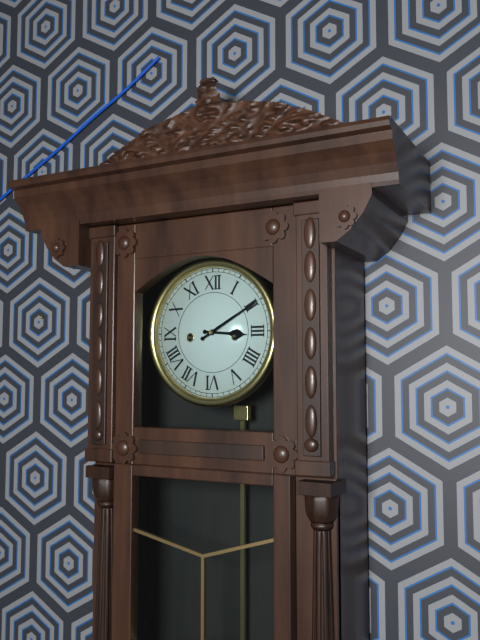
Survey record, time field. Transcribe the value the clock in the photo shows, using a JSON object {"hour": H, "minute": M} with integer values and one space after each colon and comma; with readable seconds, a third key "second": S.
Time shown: {"hour": 3, "minute": 10}
